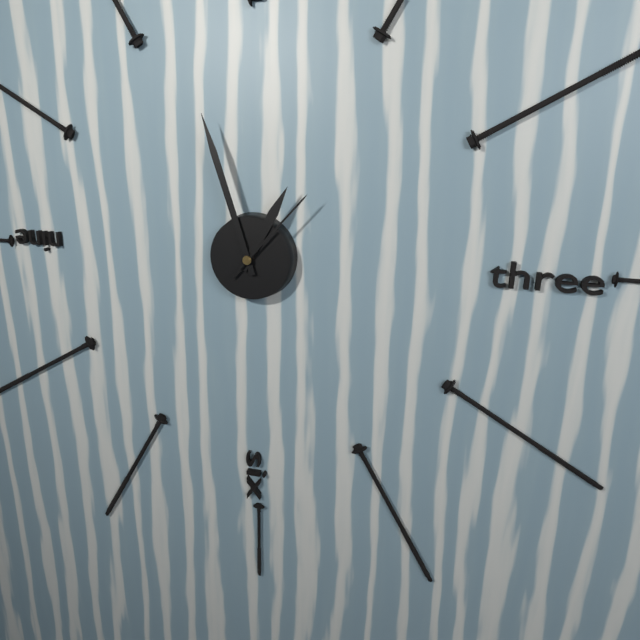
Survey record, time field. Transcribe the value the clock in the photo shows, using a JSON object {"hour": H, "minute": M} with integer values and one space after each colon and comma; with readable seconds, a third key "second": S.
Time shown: {"hour": 12, "minute": 57, "second": 7}
